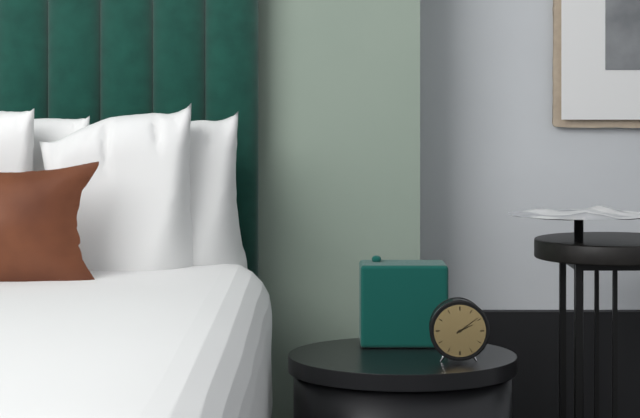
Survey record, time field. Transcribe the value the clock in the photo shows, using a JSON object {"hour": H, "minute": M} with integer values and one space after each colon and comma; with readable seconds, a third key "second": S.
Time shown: {"hour": 2, "minute": 9}
